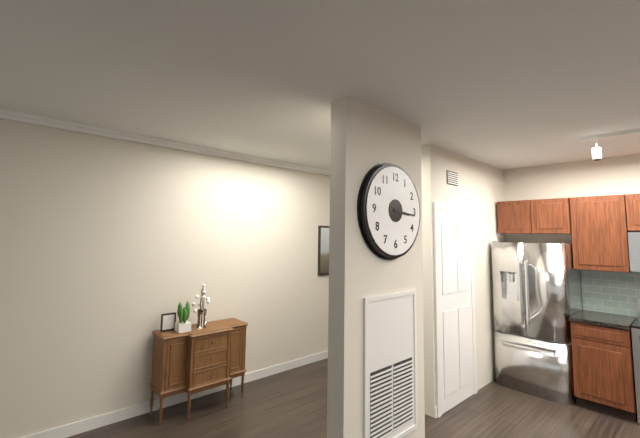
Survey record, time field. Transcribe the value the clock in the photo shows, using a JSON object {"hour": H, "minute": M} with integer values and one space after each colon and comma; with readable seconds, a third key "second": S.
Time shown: {"hour": 3, "minute": 16}
